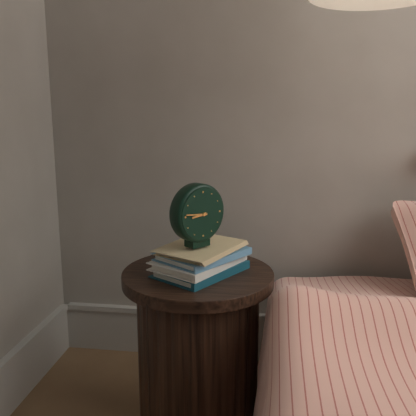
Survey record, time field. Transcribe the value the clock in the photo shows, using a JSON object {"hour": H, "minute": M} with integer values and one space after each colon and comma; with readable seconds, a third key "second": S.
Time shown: {"hour": 8, "minute": 46}
